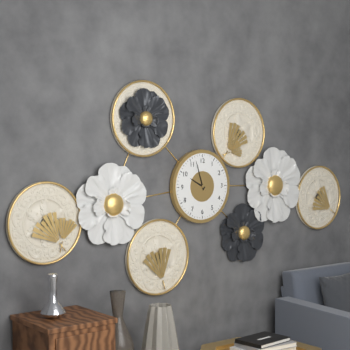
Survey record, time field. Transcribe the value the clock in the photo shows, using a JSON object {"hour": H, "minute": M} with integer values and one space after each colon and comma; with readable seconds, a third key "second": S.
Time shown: {"hour": 9, "minute": 57}
